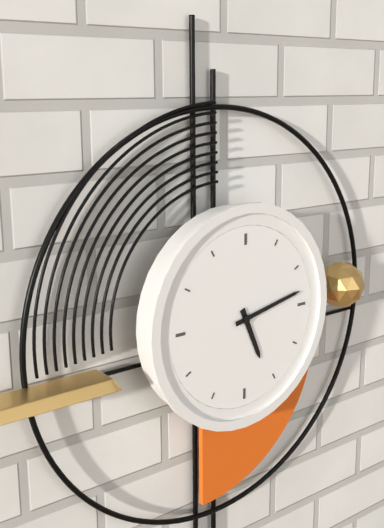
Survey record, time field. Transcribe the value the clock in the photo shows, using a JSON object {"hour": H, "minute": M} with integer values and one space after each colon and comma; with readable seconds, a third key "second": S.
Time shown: {"hour": 5, "minute": 13}
